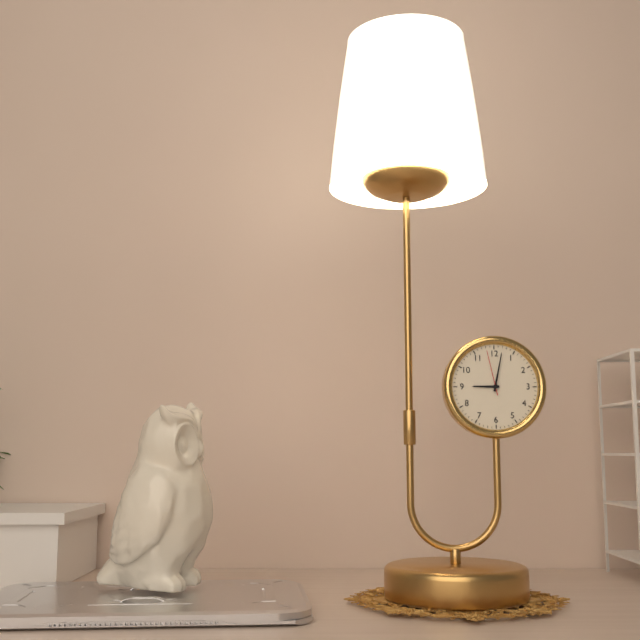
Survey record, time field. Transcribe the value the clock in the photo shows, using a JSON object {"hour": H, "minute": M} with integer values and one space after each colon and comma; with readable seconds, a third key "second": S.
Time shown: {"hour": 9, "minute": 2}
